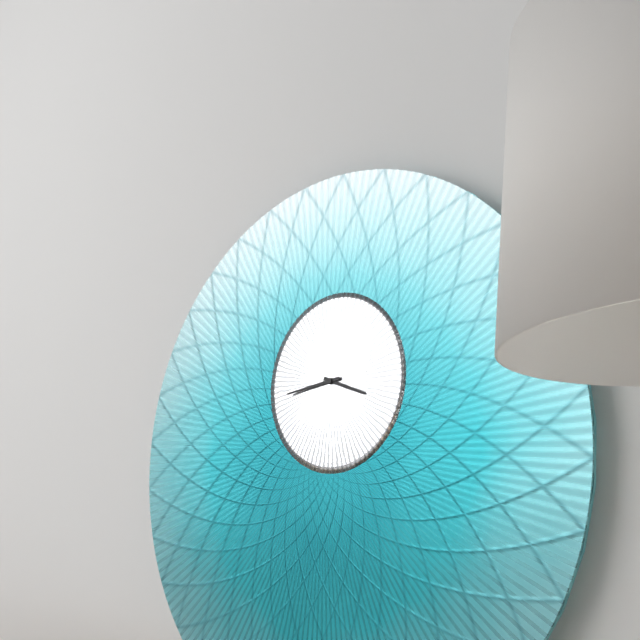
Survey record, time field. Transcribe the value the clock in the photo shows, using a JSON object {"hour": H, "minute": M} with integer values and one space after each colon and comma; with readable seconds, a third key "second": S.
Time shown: {"hour": 3, "minute": 44}
